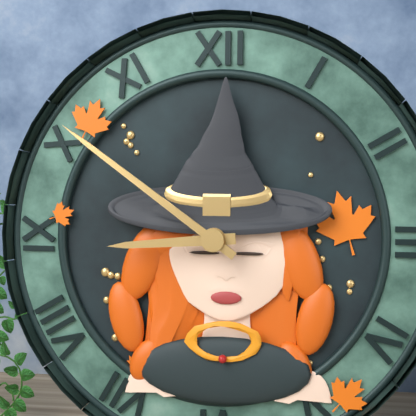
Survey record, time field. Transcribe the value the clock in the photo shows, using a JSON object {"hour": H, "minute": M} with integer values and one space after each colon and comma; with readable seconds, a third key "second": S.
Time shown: {"hour": 8, "minute": 51}
